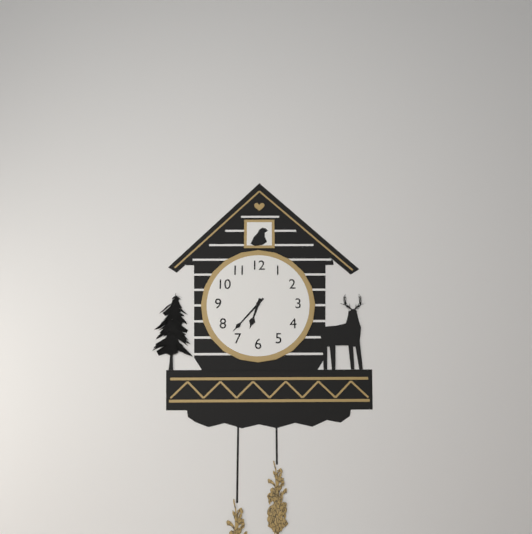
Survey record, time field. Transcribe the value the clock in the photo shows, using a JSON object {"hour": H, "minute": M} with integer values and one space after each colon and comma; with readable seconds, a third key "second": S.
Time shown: {"hour": 6, "minute": 37}
